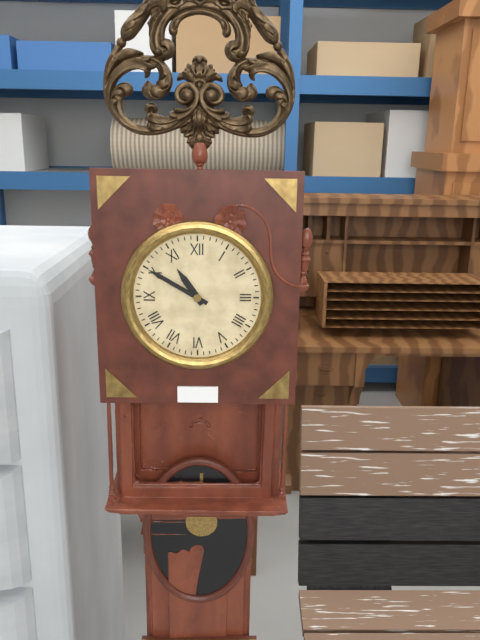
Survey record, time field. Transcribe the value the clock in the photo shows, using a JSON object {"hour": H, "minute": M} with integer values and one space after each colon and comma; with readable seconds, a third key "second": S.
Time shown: {"hour": 10, "minute": 50}
